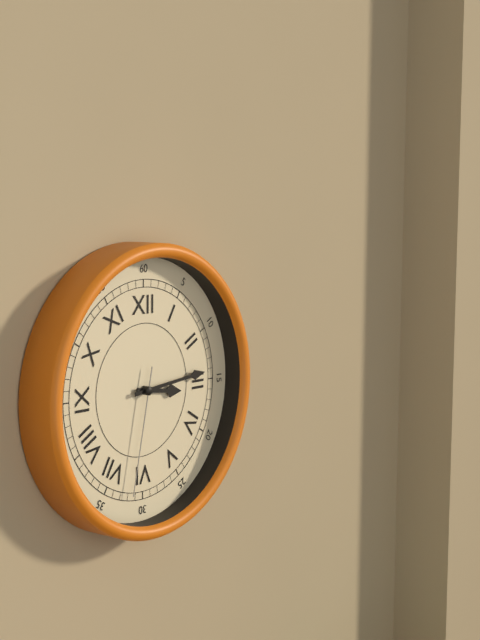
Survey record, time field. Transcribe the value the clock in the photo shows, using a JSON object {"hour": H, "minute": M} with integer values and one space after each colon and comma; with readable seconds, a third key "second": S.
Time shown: {"hour": 3, "minute": 14, "second": 32}
